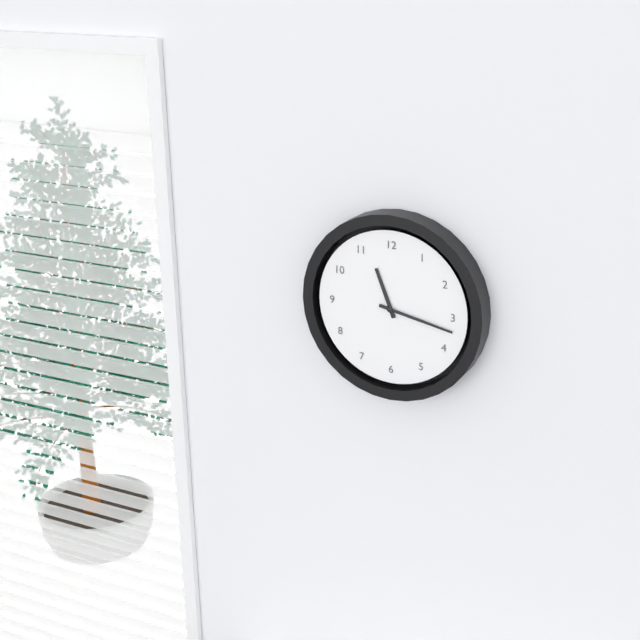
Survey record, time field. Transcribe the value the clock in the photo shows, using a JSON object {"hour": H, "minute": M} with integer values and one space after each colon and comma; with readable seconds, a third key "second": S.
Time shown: {"hour": 11, "minute": 17}
